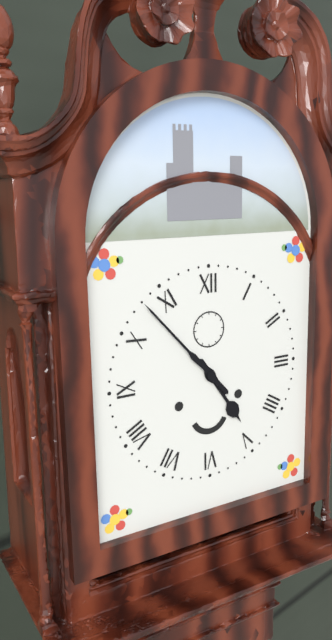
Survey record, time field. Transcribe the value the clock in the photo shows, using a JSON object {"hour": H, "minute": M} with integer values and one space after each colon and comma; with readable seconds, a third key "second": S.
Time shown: {"hour": 4, "minute": 53}
